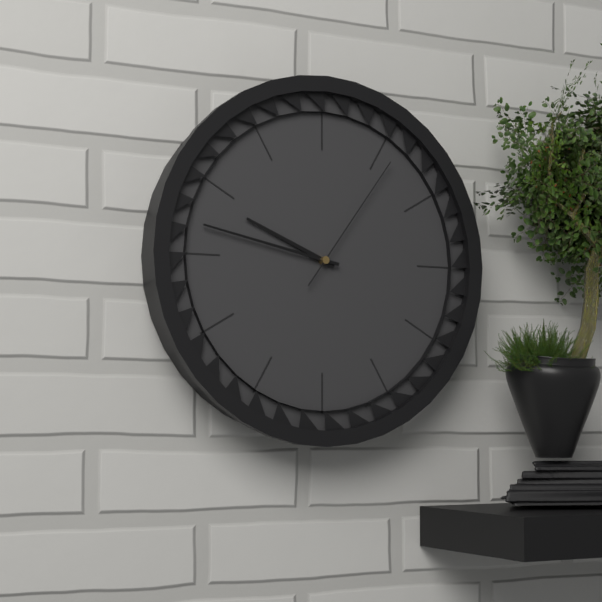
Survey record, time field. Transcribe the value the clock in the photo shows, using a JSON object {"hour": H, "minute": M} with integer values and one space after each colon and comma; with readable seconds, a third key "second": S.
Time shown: {"hour": 9, "minute": 47, "second": 6}
